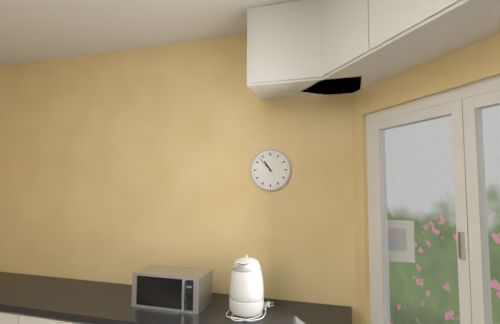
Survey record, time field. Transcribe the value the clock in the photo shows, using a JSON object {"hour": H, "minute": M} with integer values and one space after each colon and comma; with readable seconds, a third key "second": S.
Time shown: {"hour": 10, "minute": 53}
